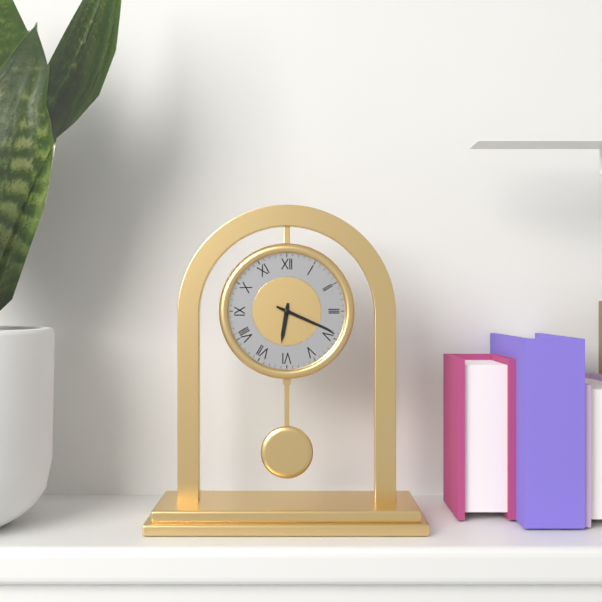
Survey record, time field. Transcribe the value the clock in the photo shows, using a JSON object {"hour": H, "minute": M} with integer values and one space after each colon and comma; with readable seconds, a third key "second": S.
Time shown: {"hour": 6, "minute": 19}
